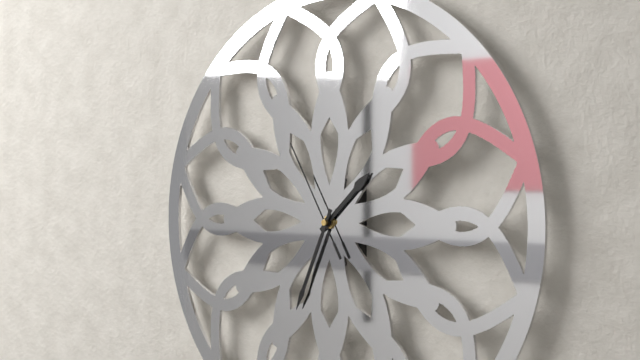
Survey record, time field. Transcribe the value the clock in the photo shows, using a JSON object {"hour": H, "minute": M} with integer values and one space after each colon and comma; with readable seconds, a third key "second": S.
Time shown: {"hour": 1, "minute": 34, "second": 55}
